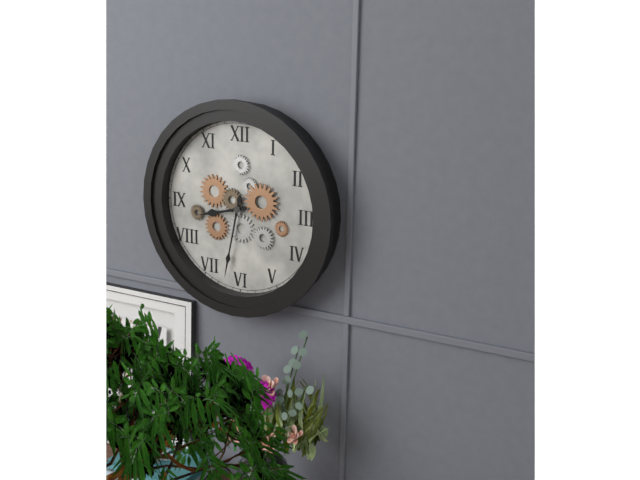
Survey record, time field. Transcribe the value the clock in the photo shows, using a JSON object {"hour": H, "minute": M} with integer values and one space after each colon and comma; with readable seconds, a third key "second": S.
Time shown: {"hour": 8, "minute": 32}
